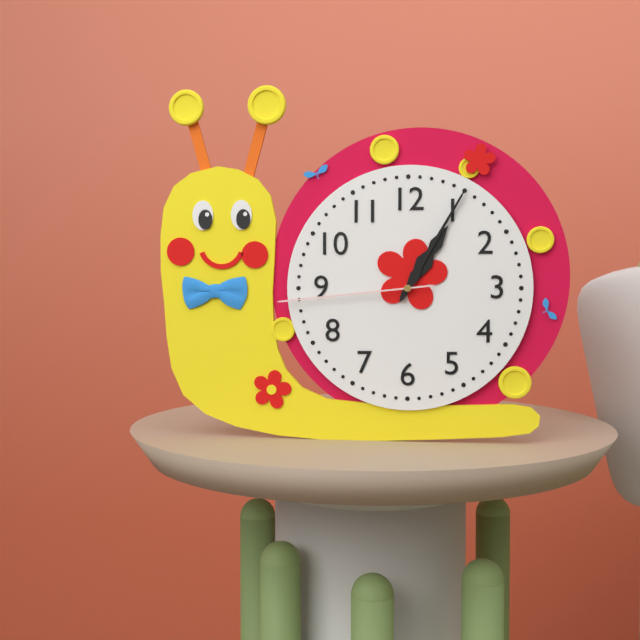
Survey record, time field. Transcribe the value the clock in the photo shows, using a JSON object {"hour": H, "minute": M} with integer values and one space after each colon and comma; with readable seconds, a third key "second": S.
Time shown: {"hour": 1, "minute": 5, "second": 44}
